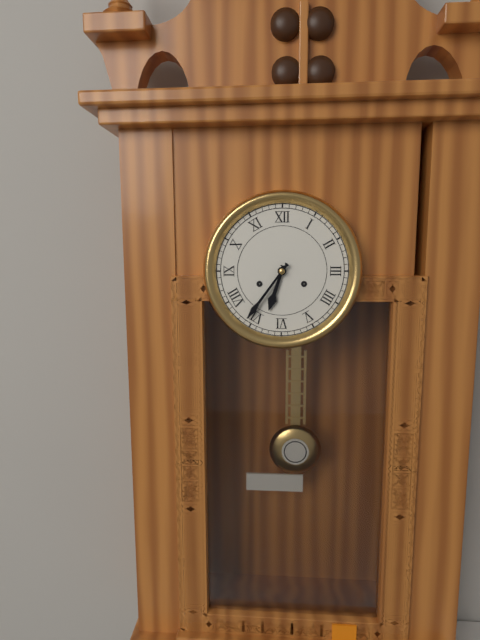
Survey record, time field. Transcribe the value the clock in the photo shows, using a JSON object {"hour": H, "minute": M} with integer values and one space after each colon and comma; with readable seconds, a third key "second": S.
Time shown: {"hour": 6, "minute": 36}
